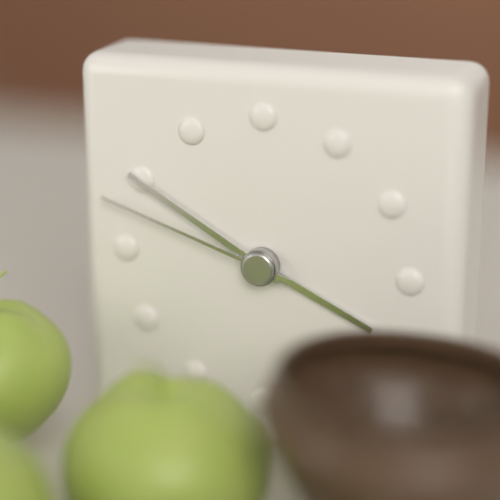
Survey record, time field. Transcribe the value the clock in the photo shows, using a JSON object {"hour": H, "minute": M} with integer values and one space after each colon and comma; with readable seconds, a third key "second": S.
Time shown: {"hour": 3, "minute": 50, "second": 48}
